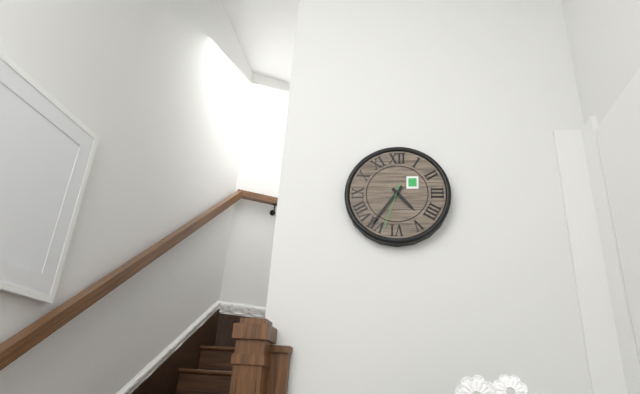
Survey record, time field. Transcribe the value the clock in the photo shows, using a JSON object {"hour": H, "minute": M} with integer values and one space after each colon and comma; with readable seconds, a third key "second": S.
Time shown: {"hour": 4, "minute": 36}
